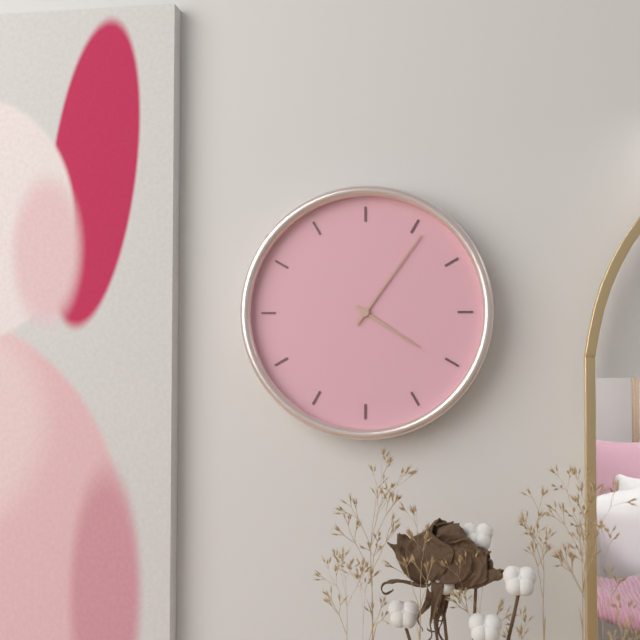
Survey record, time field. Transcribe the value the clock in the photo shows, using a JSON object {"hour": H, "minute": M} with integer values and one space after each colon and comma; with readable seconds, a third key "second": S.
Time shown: {"hour": 4, "minute": 6}
